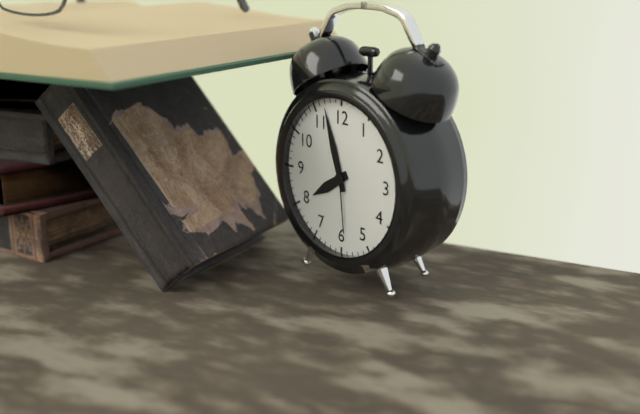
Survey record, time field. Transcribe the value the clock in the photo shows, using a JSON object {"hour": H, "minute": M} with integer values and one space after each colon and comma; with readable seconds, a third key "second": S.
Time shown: {"hour": 7, "minute": 57, "second": 29}
